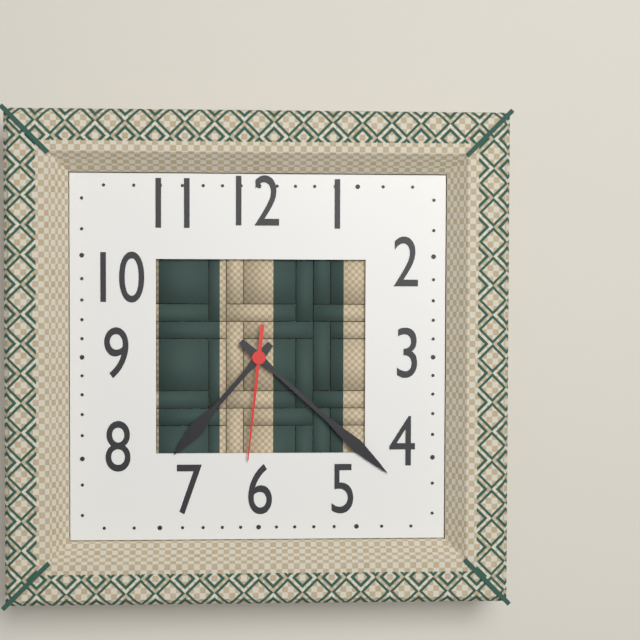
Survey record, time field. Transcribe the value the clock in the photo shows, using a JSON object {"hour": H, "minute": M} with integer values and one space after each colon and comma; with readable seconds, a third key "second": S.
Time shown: {"hour": 7, "minute": 22, "second": 31}
